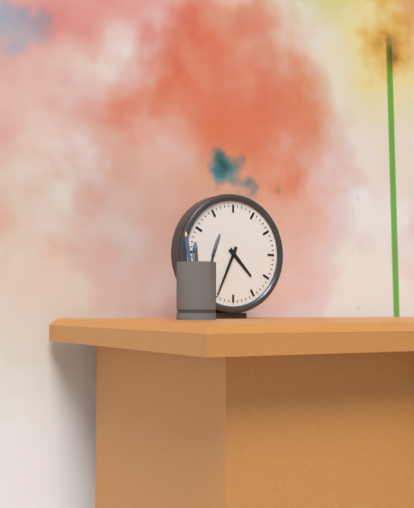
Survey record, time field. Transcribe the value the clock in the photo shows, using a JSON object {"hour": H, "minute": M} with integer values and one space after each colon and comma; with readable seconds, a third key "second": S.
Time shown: {"hour": 4, "minute": 34}
